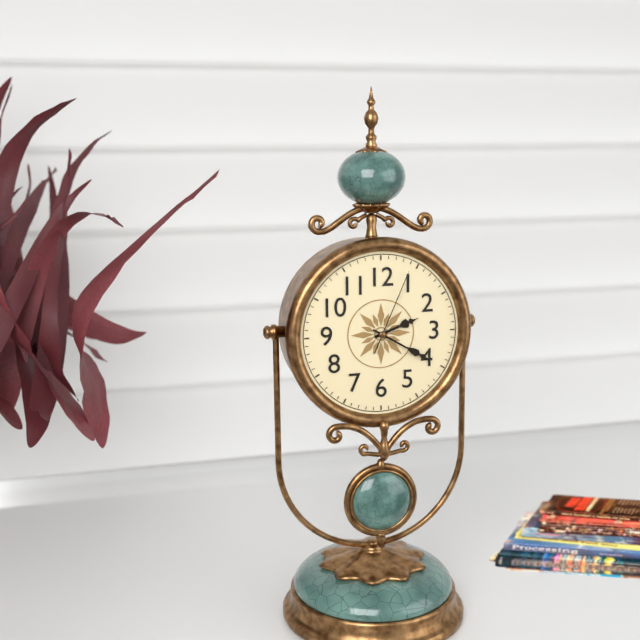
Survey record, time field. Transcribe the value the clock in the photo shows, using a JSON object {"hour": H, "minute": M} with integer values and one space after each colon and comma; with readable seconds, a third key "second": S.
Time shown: {"hour": 2, "minute": 20, "second": 4}
